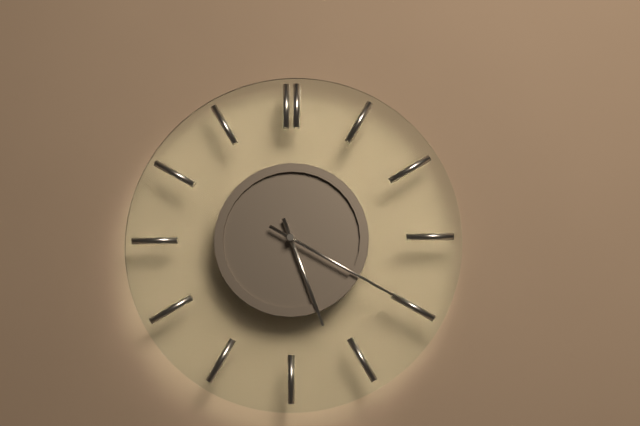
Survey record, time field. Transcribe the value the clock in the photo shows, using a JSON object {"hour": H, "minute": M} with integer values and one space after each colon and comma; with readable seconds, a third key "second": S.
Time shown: {"hour": 5, "minute": 20}
